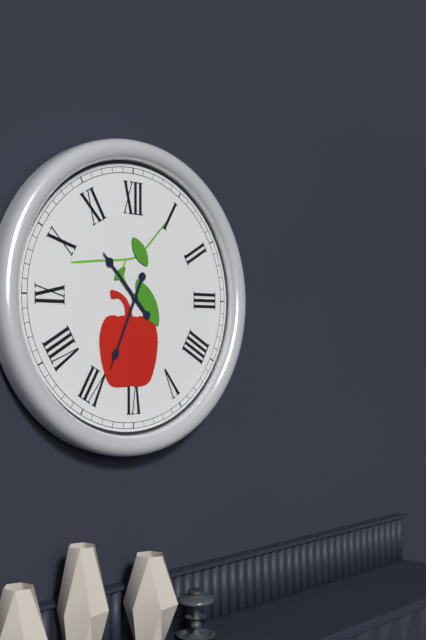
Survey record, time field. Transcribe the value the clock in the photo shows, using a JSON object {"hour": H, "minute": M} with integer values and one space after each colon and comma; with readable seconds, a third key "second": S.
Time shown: {"hour": 10, "minute": 34}
